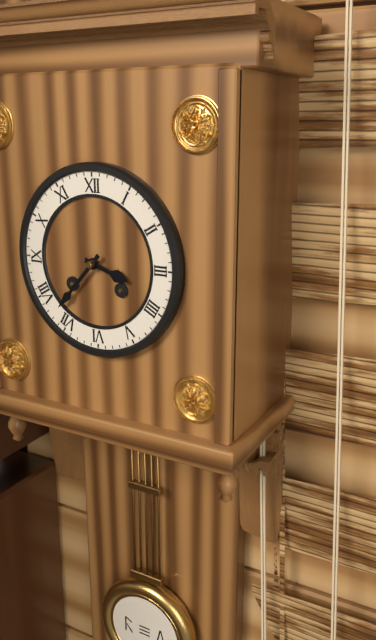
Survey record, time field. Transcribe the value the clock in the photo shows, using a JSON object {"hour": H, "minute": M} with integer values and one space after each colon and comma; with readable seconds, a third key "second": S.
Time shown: {"hour": 3, "minute": 37}
